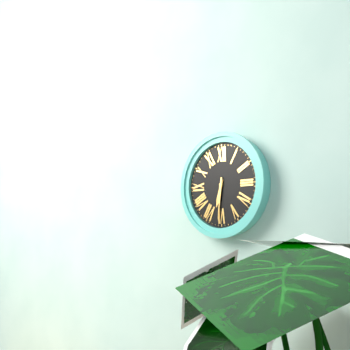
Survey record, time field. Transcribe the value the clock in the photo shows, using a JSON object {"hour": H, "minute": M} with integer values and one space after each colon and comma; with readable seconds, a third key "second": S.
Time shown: {"hour": 6, "minute": 31}
